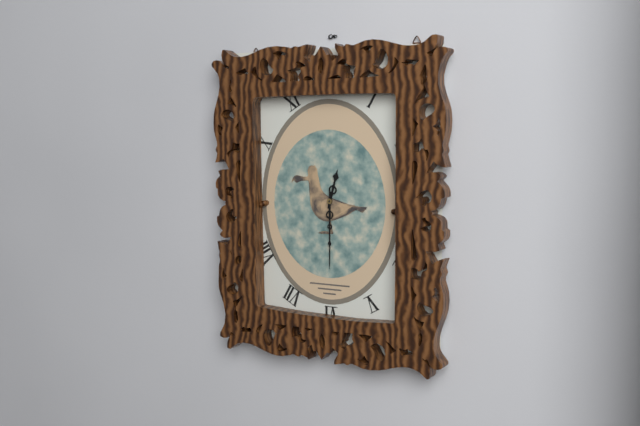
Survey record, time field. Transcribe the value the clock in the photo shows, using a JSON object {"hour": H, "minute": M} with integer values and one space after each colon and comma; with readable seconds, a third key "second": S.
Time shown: {"hour": 12, "minute": 30}
